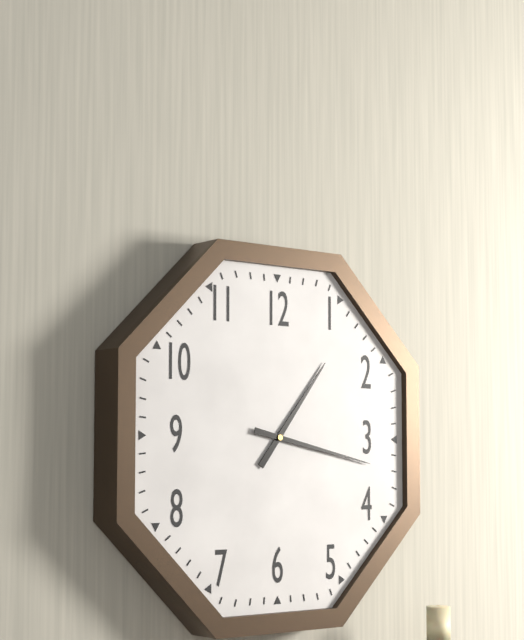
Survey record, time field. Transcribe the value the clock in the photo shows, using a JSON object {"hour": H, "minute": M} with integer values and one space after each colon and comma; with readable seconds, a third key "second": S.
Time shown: {"hour": 1, "minute": 17}
